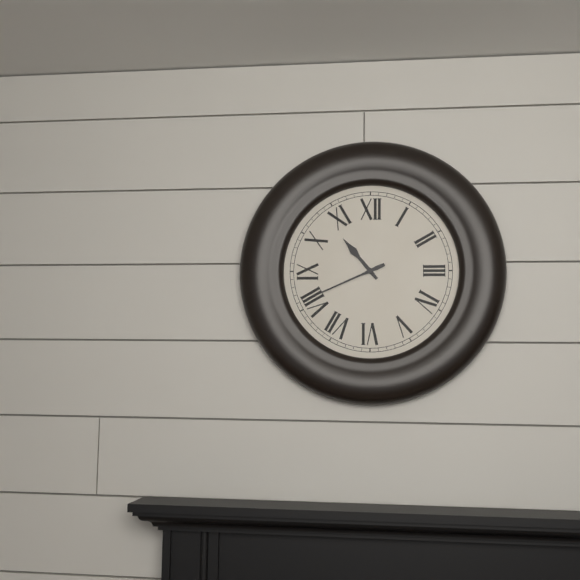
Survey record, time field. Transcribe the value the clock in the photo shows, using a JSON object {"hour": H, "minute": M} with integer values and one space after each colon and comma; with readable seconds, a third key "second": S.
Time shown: {"hour": 10, "minute": 41}
